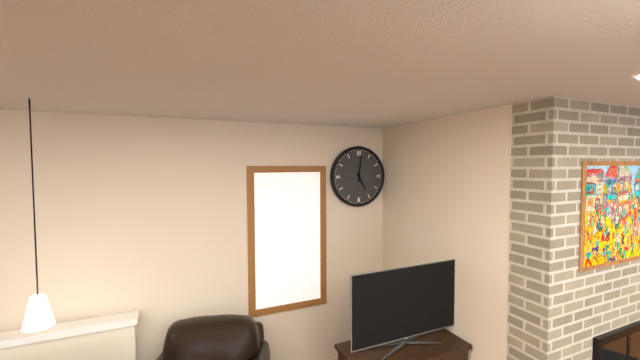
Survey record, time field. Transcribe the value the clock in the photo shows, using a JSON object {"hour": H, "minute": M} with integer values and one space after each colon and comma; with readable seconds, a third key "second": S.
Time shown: {"hour": 5, "minute": 1}
